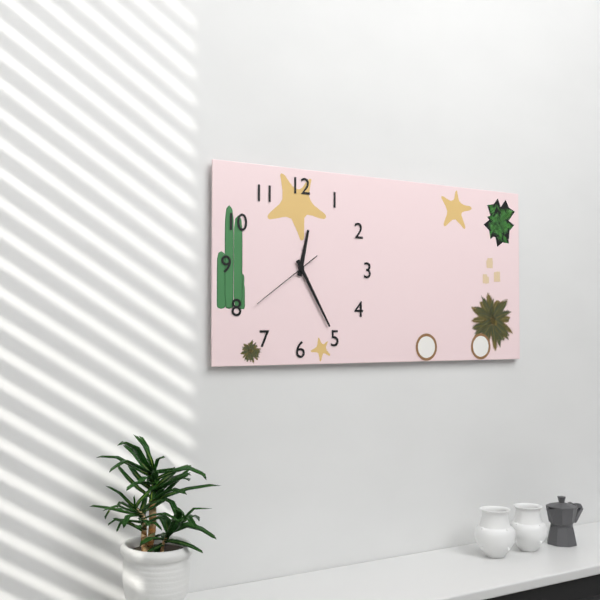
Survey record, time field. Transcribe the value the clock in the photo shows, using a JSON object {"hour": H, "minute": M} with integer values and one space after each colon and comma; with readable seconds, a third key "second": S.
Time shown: {"hour": 12, "minute": 25, "second": 39}
